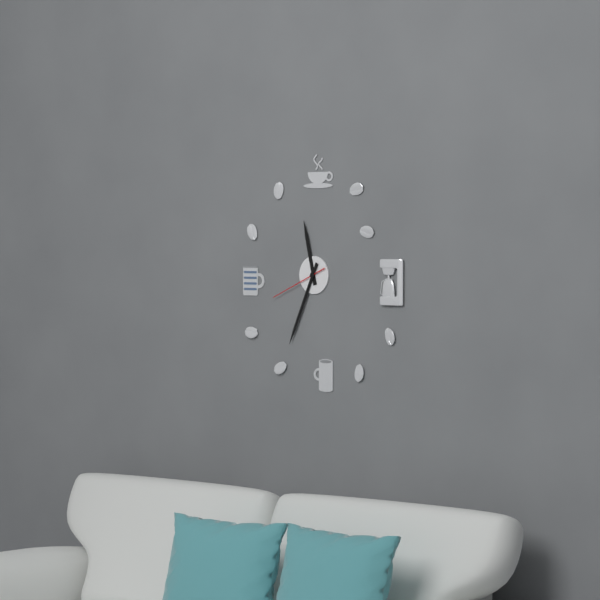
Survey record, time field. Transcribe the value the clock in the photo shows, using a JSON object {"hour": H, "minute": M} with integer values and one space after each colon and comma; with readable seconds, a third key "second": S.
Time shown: {"hour": 11, "minute": 34, "second": 41}
